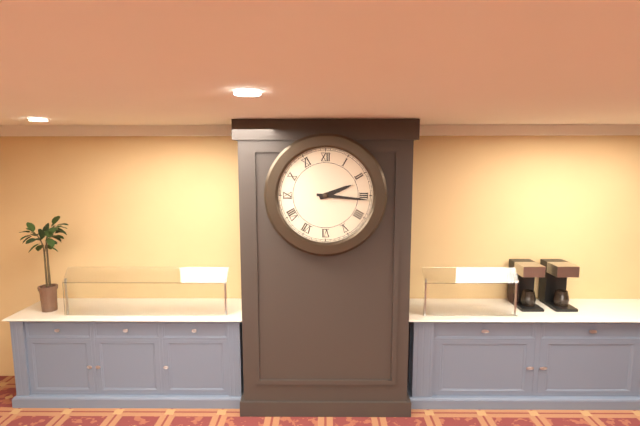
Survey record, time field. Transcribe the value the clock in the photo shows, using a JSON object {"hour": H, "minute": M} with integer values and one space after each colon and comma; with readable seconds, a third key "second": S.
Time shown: {"hour": 2, "minute": 16}
